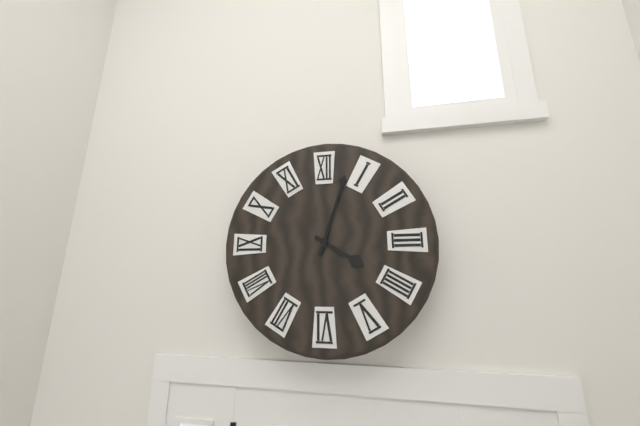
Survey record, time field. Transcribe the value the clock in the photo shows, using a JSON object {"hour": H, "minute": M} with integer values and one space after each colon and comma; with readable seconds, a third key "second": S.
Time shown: {"hour": 4, "minute": 3}
